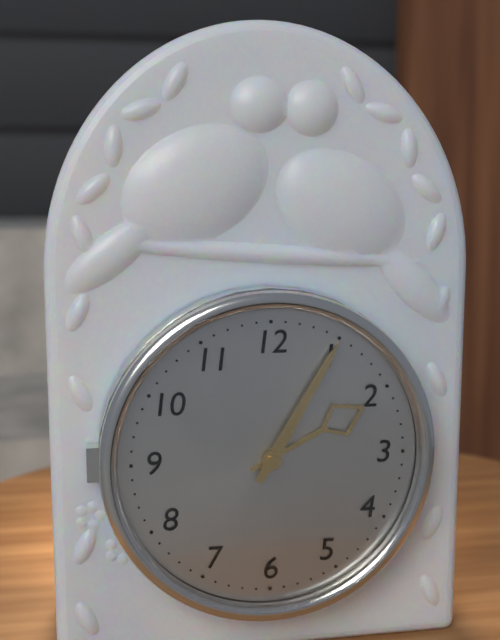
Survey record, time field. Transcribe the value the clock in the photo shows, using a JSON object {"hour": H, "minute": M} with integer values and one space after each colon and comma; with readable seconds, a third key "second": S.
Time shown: {"hour": 2, "minute": 5}
